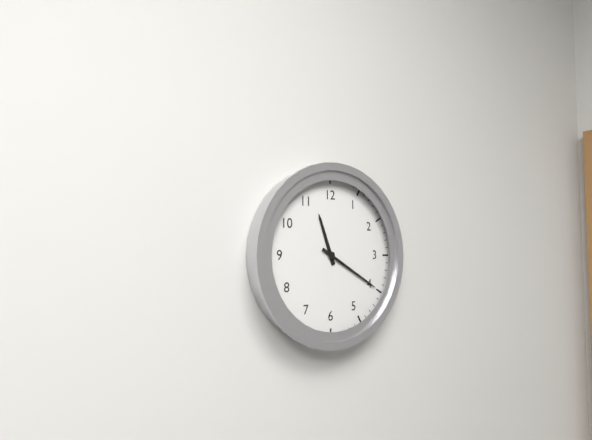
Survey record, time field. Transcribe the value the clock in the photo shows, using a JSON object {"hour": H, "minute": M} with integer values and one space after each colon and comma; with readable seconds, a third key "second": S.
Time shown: {"hour": 11, "minute": 20}
